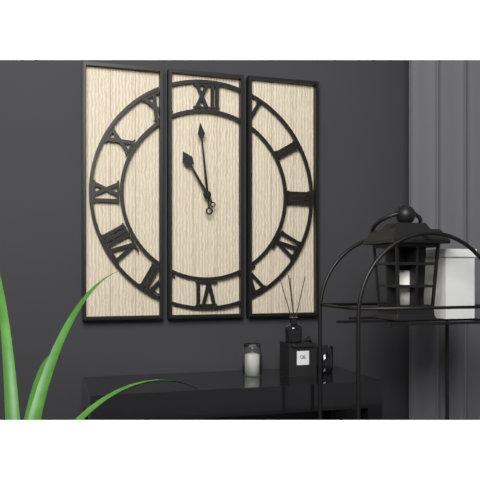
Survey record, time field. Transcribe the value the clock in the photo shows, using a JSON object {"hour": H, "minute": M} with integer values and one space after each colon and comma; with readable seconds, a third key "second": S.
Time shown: {"hour": 10, "minute": 59}
